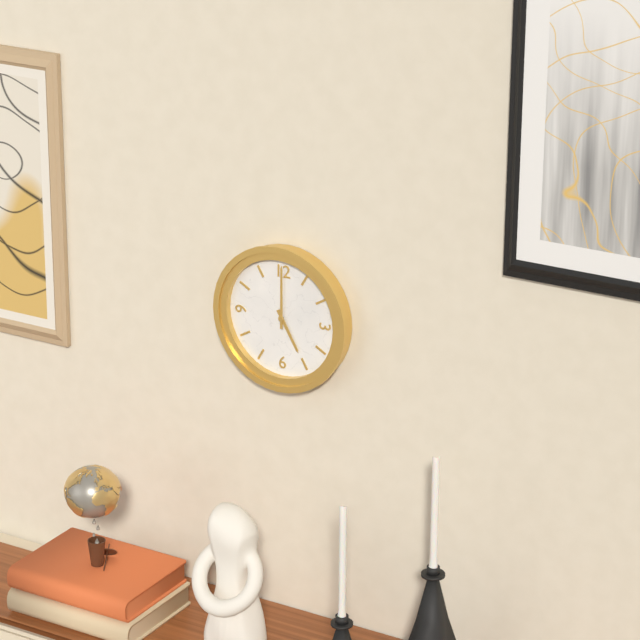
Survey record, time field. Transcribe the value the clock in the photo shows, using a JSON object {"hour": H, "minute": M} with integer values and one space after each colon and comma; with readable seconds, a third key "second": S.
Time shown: {"hour": 5, "minute": 0}
